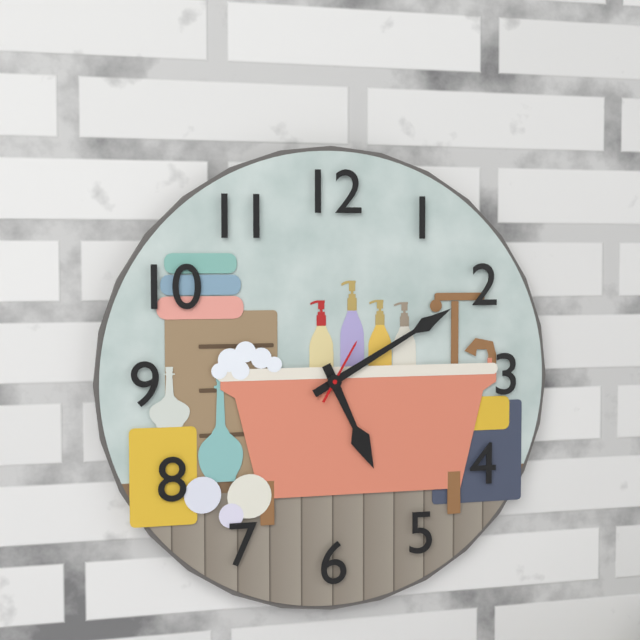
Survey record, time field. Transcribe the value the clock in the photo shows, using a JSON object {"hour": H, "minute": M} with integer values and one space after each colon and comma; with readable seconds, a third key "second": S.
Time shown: {"hour": 5, "minute": 10, "second": 5}
